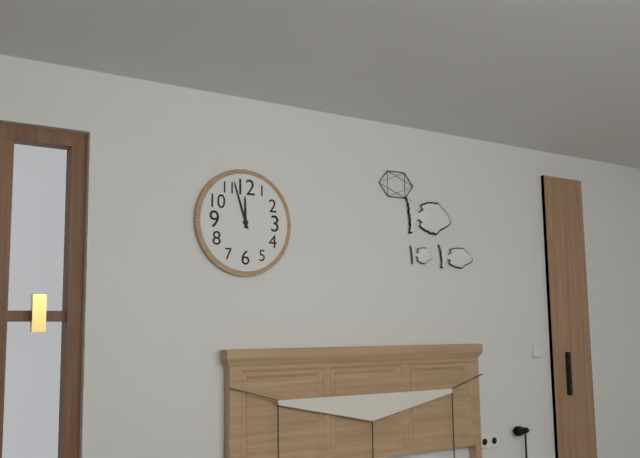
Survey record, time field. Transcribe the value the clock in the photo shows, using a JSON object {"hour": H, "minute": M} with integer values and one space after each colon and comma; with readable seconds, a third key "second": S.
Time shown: {"hour": 11, "minute": 57}
